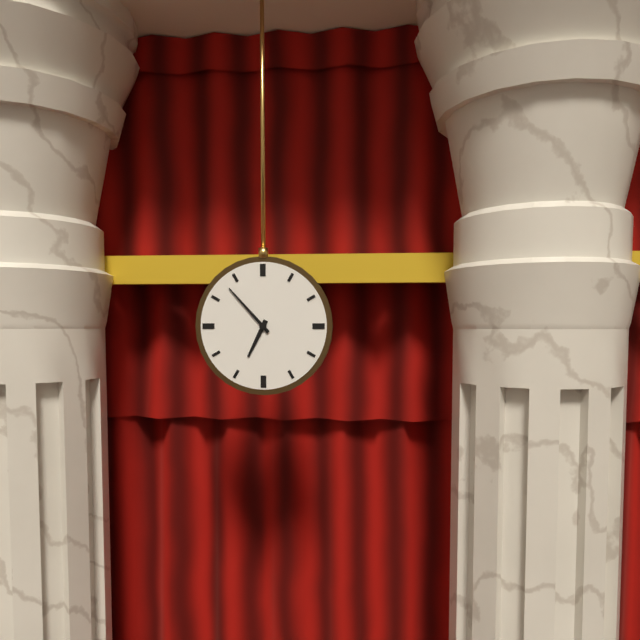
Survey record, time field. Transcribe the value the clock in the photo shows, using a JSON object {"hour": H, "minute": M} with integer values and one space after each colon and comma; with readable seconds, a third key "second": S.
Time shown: {"hour": 6, "minute": 53}
